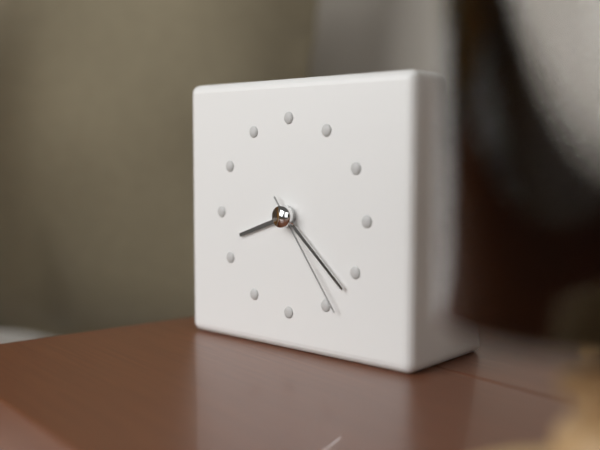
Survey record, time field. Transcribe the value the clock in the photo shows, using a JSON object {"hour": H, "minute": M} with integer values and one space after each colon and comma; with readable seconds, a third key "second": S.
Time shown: {"hour": 8, "minute": 22, "second": 24}
